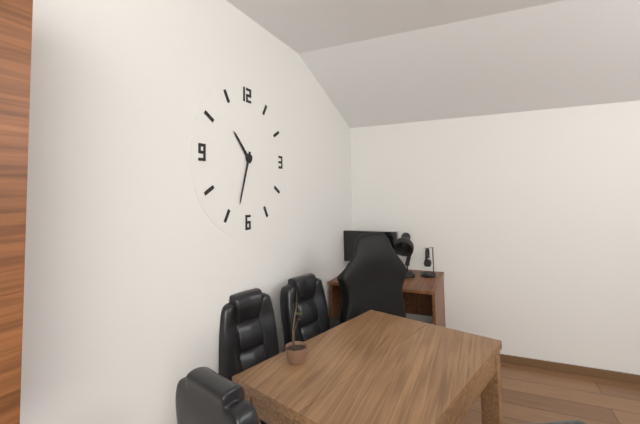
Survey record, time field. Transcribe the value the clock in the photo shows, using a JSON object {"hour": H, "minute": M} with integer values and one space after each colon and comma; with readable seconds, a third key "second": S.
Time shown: {"hour": 10, "minute": 33}
